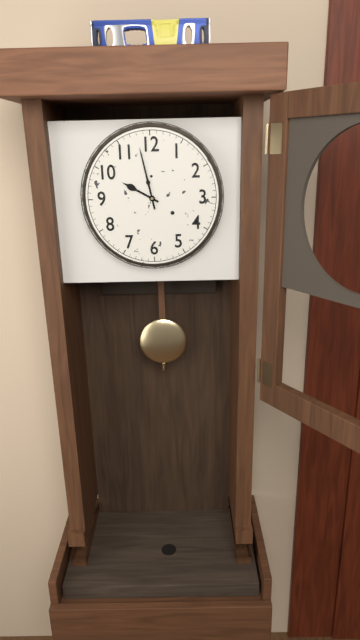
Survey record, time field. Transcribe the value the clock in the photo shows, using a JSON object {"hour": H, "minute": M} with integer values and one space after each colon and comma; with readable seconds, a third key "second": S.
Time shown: {"hour": 9, "minute": 58}
